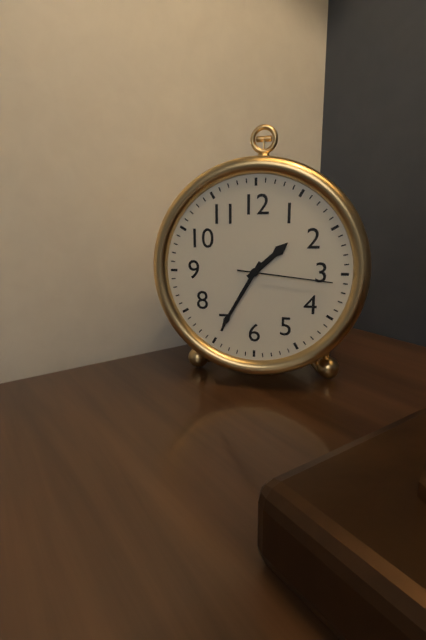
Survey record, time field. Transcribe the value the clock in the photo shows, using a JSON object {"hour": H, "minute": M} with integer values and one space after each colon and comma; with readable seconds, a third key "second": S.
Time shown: {"hour": 1, "minute": 35, "second": 16}
